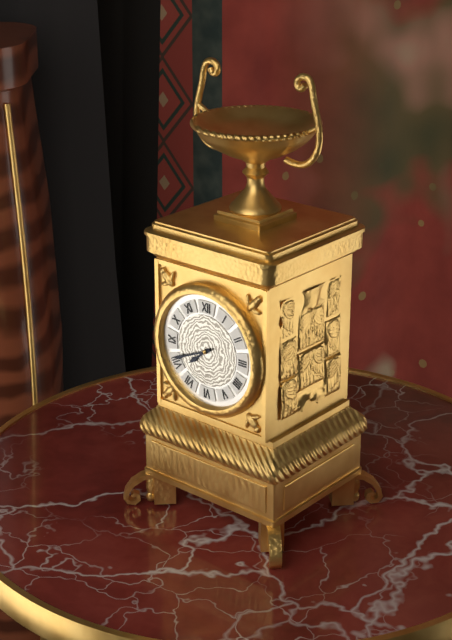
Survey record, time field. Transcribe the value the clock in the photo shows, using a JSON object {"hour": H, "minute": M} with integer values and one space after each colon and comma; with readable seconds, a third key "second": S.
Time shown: {"hour": 7, "minute": 41}
